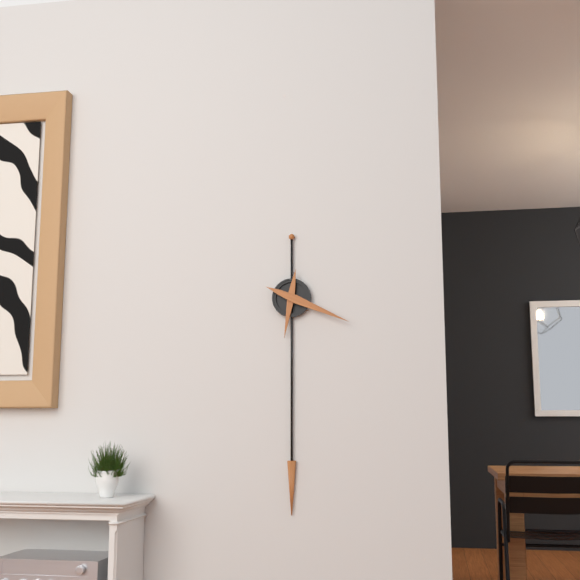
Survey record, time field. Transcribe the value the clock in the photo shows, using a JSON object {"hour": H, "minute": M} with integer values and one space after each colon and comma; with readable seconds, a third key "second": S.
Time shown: {"hour": 6, "minute": 19}
